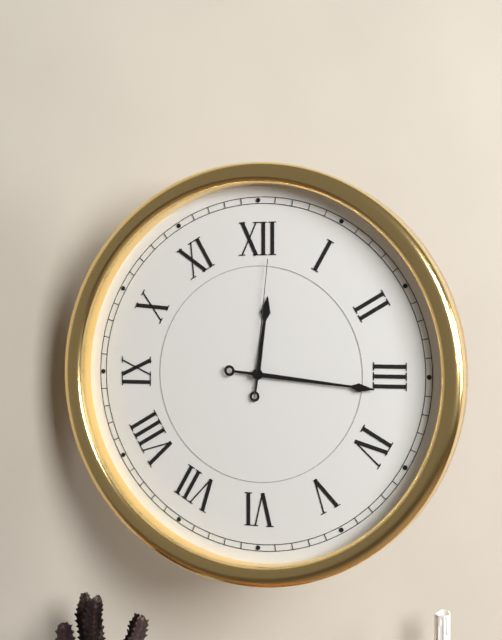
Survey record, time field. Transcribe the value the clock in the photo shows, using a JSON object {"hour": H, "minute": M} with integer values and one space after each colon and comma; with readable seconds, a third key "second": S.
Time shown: {"hour": 12, "minute": 16, "second": 1}
